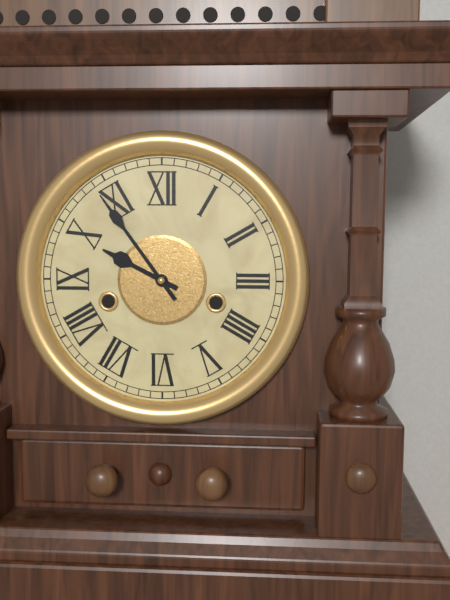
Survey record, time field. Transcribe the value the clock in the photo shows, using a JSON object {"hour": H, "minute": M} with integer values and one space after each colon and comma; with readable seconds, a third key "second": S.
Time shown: {"hour": 9, "minute": 54}
